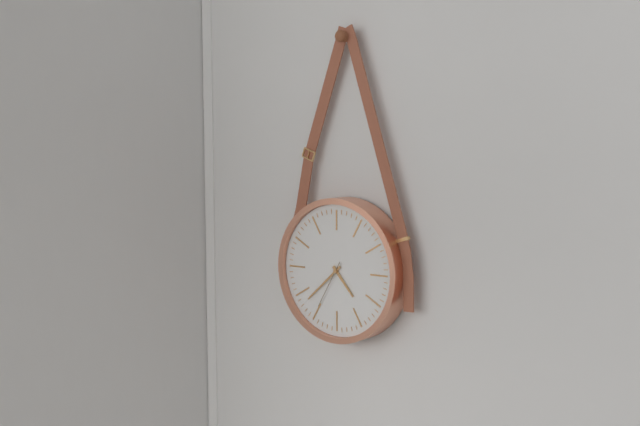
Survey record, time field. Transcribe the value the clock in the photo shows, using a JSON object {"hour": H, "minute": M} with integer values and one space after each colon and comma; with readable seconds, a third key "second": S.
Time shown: {"hour": 4, "minute": 38, "second": 35}
